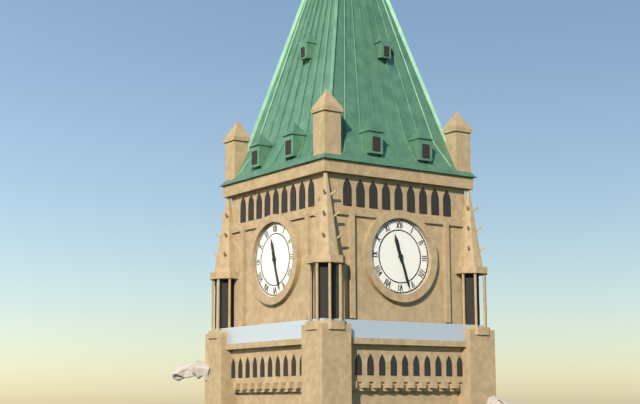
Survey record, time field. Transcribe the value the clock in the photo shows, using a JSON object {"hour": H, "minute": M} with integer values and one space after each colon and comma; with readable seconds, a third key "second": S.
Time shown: {"hour": 11, "minute": 27}
